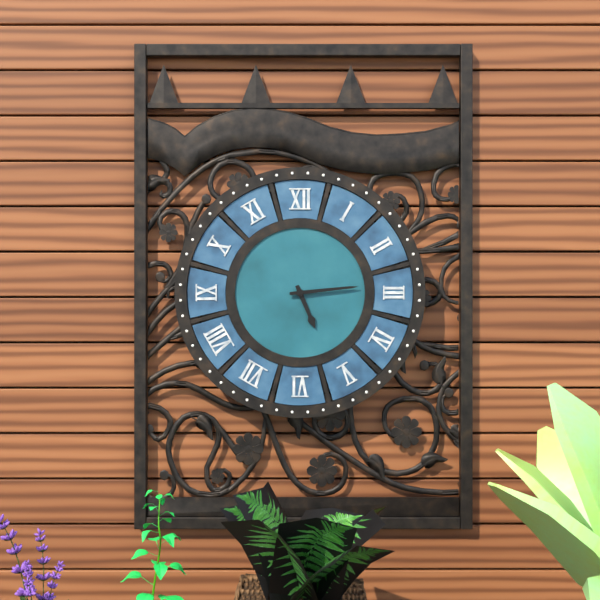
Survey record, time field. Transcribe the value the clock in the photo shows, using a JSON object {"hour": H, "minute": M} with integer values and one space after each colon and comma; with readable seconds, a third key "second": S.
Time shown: {"hour": 5, "minute": 14}
